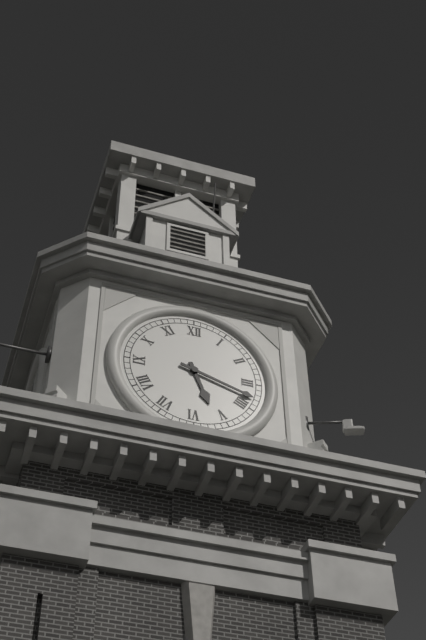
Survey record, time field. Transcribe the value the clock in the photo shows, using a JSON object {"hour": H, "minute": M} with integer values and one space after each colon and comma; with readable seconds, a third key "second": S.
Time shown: {"hour": 5, "minute": 18}
